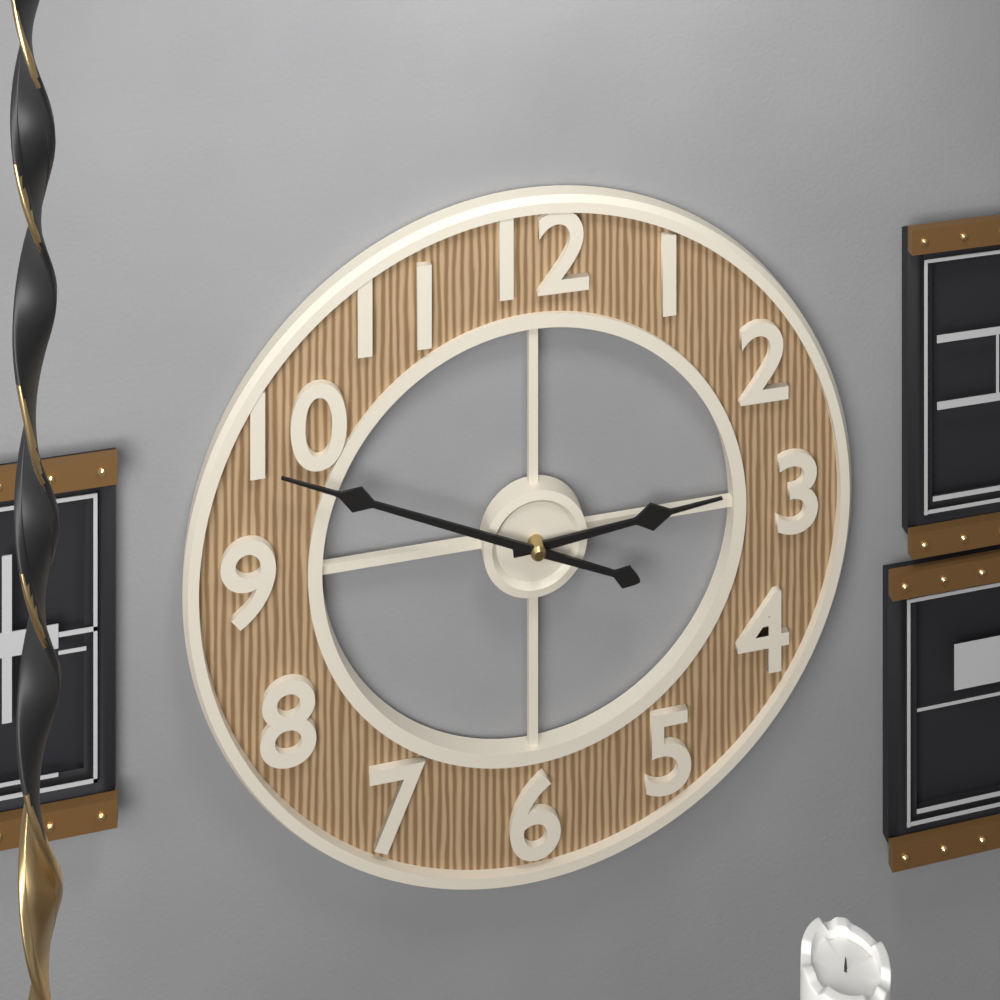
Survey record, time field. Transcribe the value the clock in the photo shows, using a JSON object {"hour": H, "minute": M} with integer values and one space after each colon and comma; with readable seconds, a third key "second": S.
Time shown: {"hour": 2, "minute": 49}
